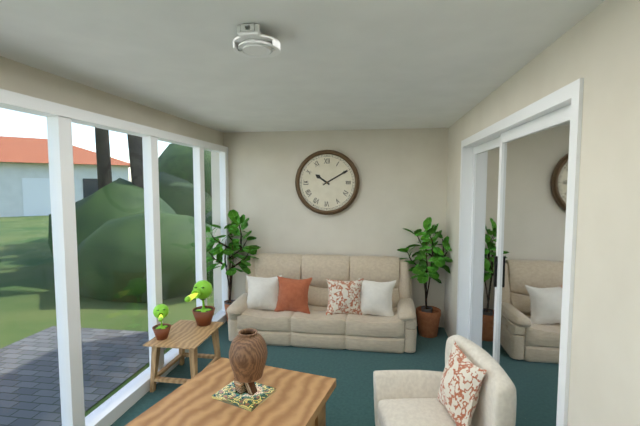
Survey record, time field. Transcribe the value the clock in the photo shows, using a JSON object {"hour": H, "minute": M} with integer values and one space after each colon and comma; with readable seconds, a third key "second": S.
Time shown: {"hour": 10, "minute": 10}
